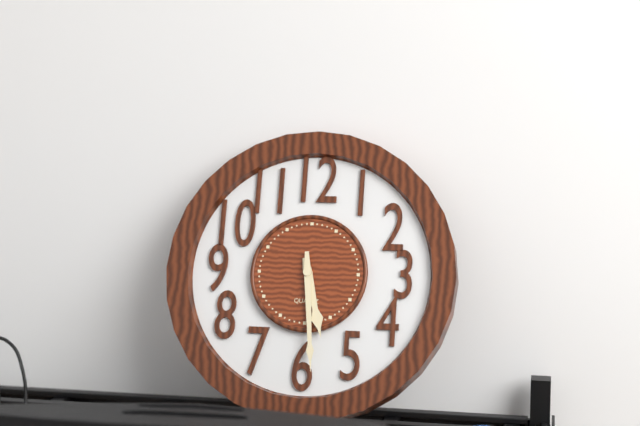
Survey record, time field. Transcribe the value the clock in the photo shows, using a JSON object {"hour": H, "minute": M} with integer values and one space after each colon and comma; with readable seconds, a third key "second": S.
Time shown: {"hour": 5, "minute": 29}
